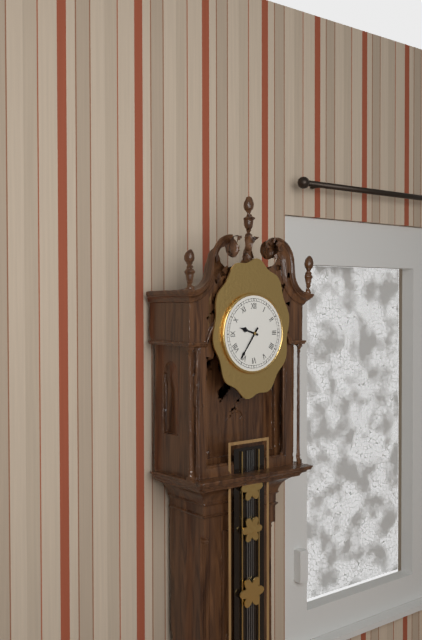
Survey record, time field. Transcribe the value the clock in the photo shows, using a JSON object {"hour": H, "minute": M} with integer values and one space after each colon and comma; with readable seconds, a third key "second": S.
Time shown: {"hour": 9, "minute": 36}
